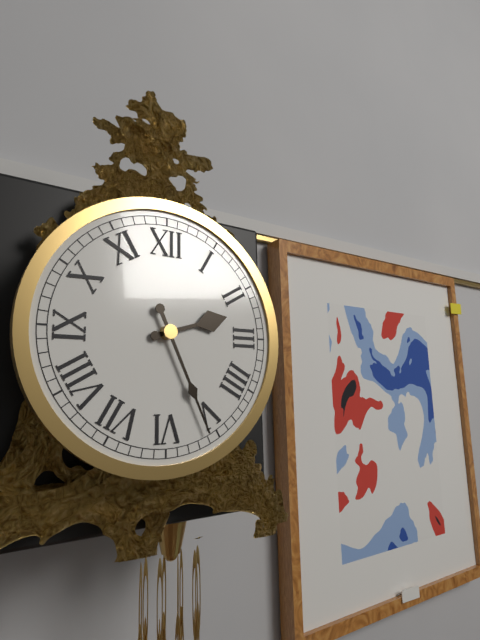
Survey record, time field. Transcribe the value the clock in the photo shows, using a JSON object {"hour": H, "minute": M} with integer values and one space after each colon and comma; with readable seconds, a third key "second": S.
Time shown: {"hour": 2, "minute": 26}
